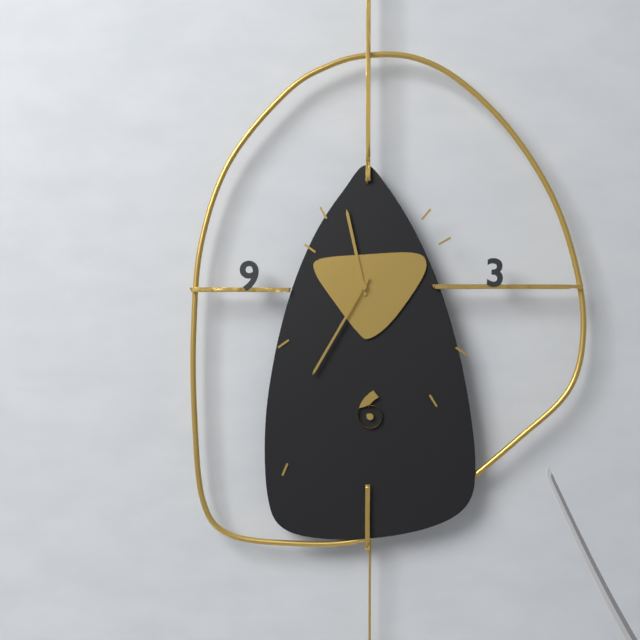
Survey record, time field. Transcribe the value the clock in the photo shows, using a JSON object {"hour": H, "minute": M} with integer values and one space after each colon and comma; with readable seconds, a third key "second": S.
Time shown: {"hour": 11, "minute": 35}
